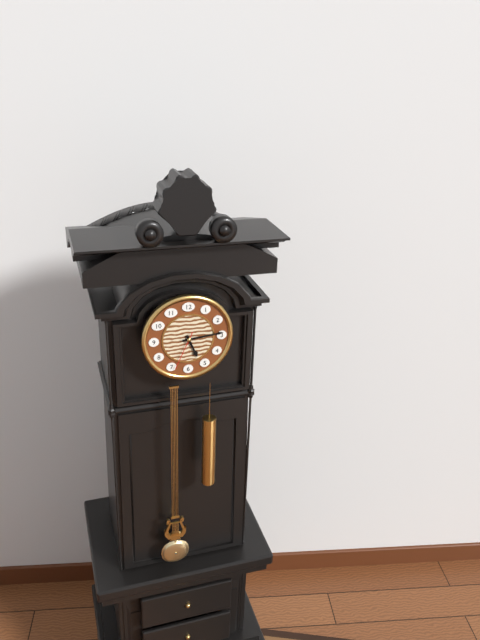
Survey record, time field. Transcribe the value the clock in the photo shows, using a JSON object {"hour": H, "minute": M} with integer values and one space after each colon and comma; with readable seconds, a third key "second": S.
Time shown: {"hour": 5, "minute": 14}
